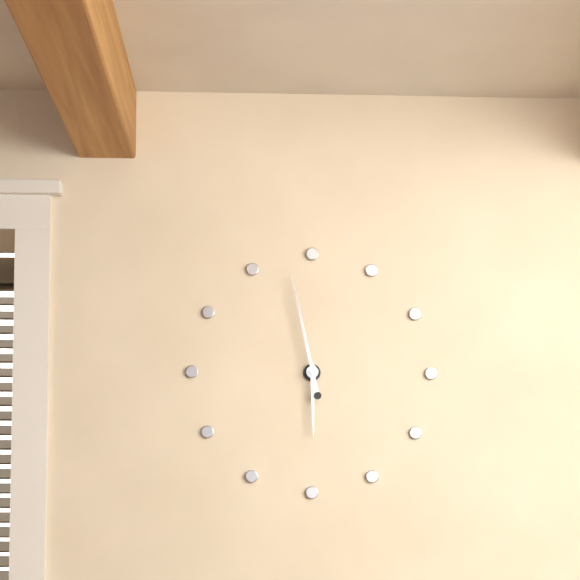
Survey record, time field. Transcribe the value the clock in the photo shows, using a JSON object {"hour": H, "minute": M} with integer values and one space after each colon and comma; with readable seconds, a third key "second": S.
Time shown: {"hour": 5, "minute": 58}
